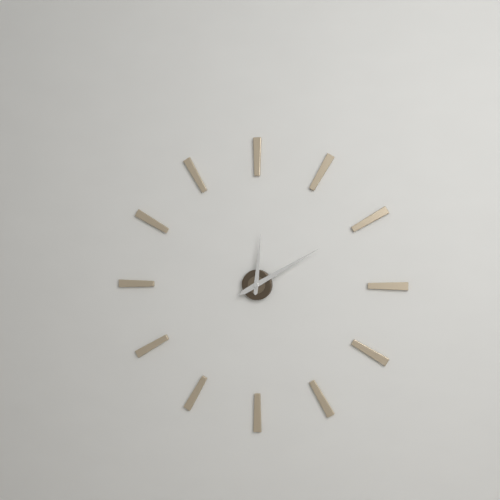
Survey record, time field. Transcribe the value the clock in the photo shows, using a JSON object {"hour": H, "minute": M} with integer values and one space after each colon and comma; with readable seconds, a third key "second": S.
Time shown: {"hour": 12, "minute": 10}
